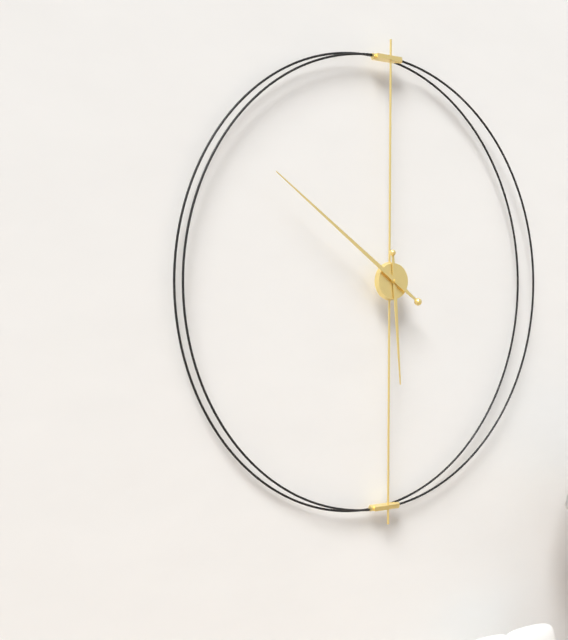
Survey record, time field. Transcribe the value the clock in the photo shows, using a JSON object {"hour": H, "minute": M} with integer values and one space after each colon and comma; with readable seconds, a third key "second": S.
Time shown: {"hour": 5, "minute": 51}
